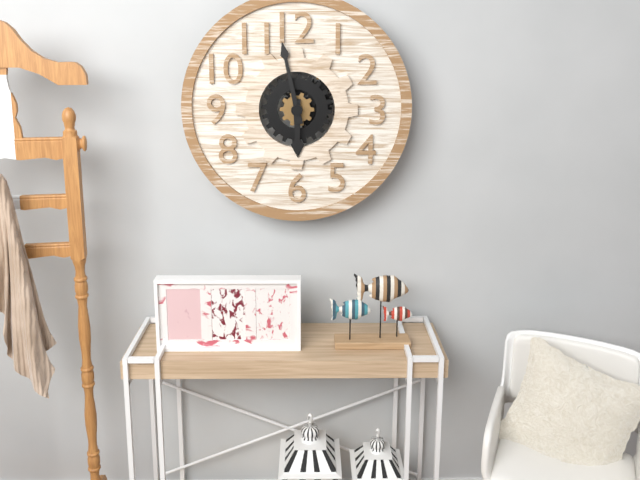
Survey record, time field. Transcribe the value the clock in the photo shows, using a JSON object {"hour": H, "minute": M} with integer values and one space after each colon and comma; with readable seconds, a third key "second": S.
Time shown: {"hour": 5, "minute": 58}
